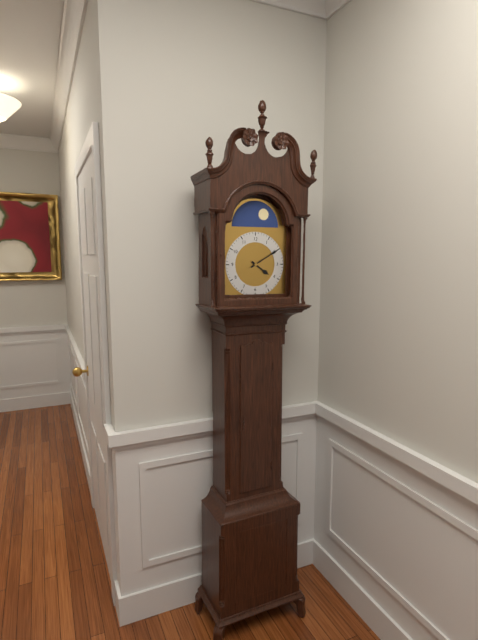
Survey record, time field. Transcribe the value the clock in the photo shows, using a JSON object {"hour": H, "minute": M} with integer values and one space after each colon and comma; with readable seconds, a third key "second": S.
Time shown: {"hour": 4, "minute": 10}
